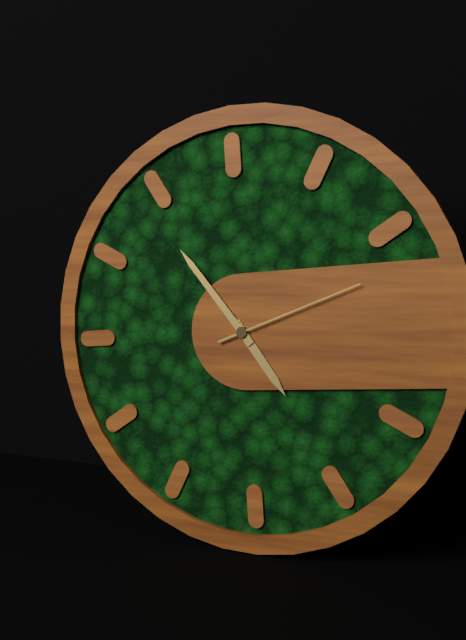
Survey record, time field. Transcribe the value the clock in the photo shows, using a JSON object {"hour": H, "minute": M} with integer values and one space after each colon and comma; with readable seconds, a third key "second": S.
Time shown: {"hour": 4, "minute": 54, "second": 12}
